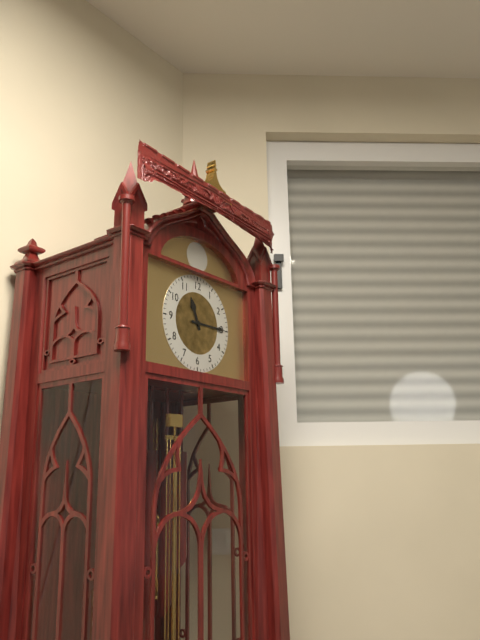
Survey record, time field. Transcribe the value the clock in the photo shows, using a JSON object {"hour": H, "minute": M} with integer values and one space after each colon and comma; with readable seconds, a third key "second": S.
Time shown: {"hour": 11, "minute": 15}
